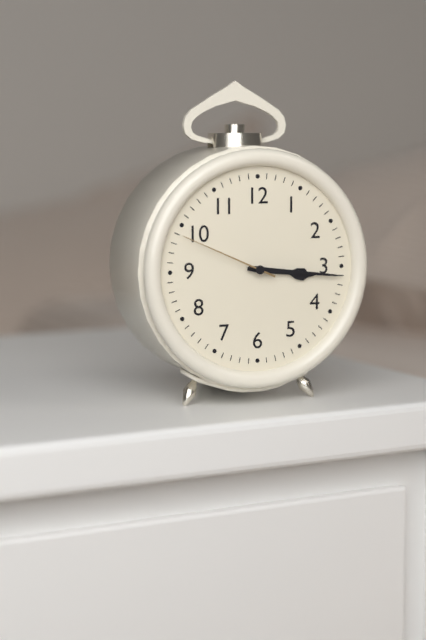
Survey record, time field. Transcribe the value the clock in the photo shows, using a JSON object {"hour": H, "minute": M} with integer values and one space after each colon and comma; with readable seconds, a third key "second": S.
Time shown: {"hour": 3, "minute": 16, "second": 49}
